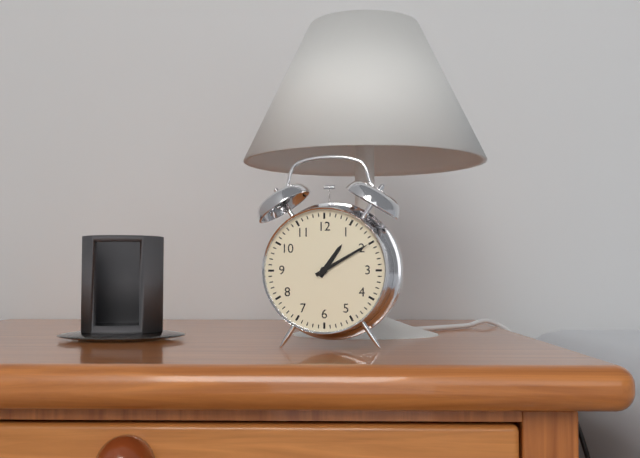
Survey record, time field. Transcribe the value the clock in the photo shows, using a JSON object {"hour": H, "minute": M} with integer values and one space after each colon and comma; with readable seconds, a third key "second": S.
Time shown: {"hour": 1, "minute": 10}
